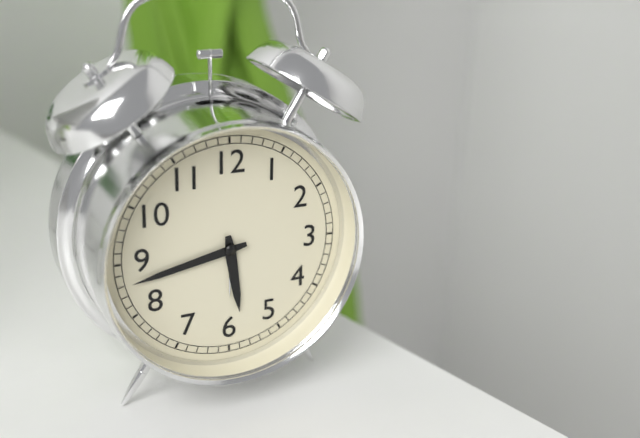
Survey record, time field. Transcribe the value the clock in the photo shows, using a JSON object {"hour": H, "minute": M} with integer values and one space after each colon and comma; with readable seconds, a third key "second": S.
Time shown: {"hour": 5, "minute": 43}
